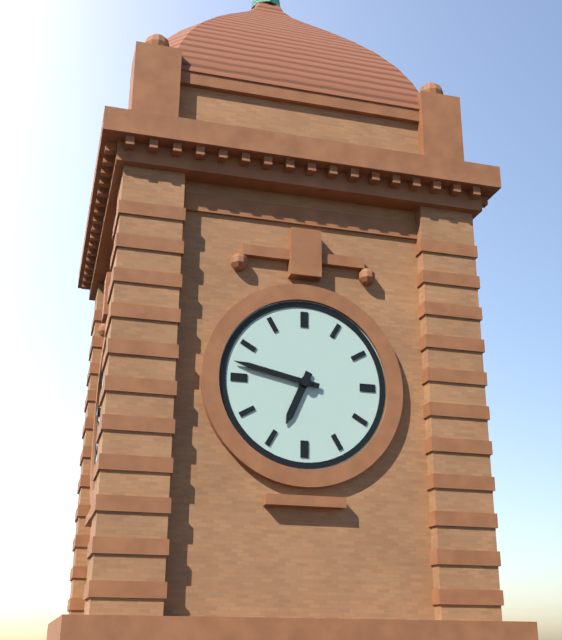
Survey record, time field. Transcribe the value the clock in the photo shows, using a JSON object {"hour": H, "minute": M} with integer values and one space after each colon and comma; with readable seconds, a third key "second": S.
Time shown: {"hour": 6, "minute": 47}
